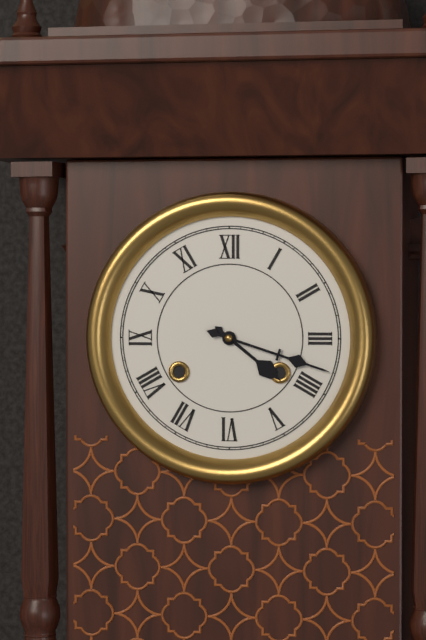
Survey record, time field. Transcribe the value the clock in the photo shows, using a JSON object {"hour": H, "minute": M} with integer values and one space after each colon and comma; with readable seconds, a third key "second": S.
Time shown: {"hour": 4, "minute": 18}
